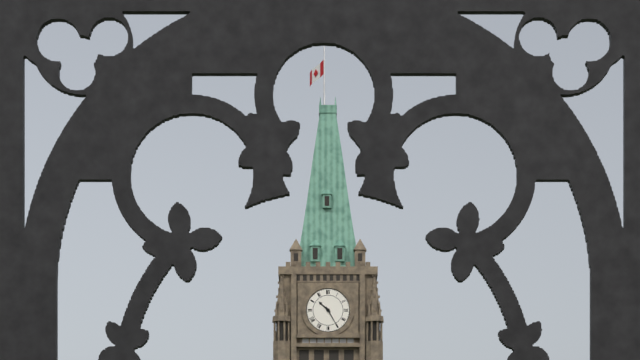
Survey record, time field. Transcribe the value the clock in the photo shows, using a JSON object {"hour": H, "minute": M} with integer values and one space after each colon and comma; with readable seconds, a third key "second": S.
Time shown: {"hour": 10, "minute": 25}
